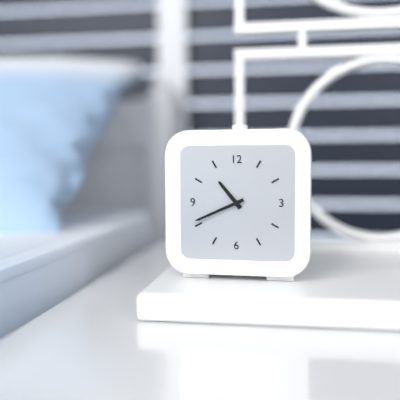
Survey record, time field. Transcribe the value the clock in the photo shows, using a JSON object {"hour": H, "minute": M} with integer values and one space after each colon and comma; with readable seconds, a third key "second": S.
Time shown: {"hour": 10, "minute": 41}
